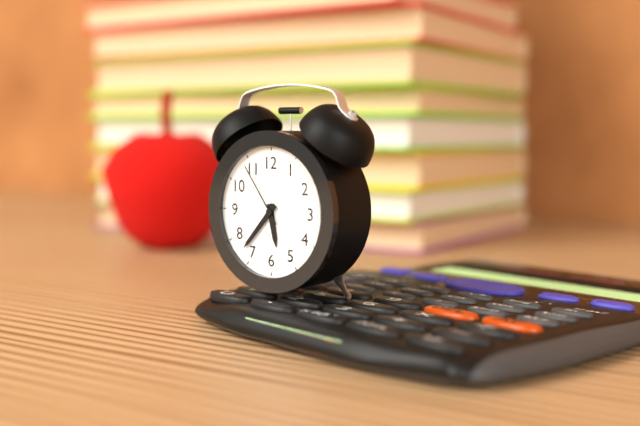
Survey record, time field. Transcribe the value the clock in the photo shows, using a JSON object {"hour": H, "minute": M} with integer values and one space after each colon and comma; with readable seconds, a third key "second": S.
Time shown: {"hour": 5, "minute": 37, "second": 54}
